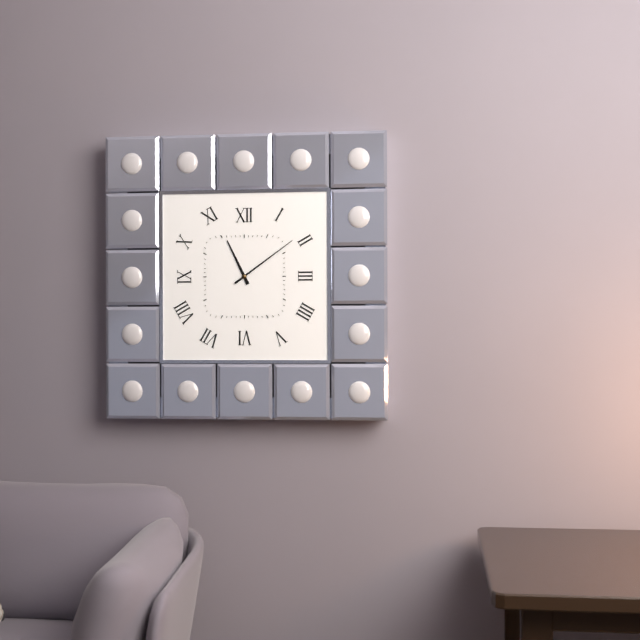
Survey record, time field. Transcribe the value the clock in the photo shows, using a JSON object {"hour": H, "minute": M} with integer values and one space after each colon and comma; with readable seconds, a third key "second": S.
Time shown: {"hour": 11, "minute": 9}
